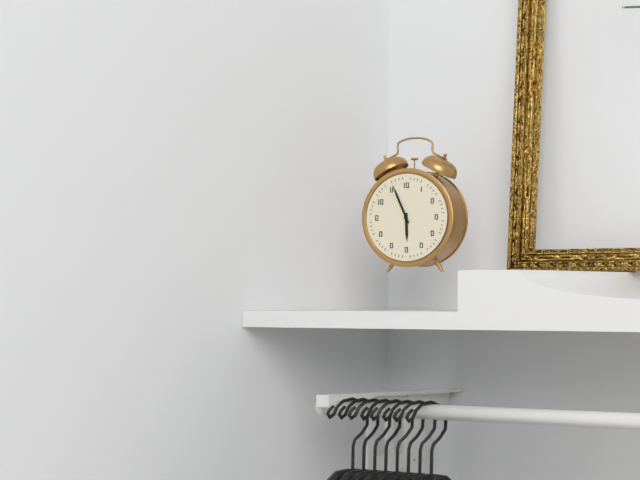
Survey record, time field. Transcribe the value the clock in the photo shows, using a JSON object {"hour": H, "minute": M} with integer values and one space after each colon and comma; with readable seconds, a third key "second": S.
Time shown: {"hour": 5, "minute": 56}
